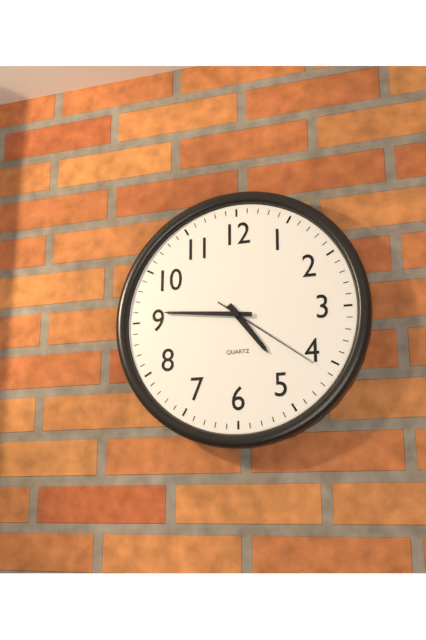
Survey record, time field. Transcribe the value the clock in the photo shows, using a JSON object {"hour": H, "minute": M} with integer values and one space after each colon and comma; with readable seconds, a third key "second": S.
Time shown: {"hour": 4, "minute": 46, "second": 21}
